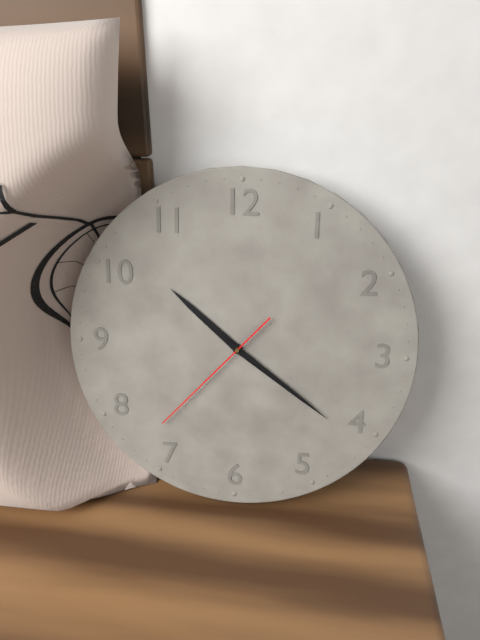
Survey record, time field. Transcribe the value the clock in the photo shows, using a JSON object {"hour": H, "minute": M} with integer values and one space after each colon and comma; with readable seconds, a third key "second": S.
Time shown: {"hour": 10, "minute": 21, "second": 37}
